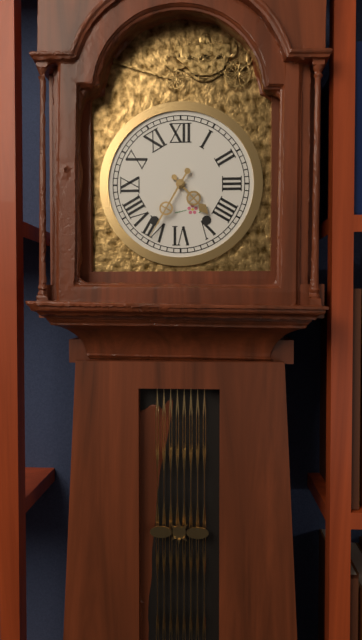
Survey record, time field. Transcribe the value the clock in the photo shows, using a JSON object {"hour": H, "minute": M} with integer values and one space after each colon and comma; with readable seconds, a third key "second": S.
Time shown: {"hour": 4, "minute": 35}
